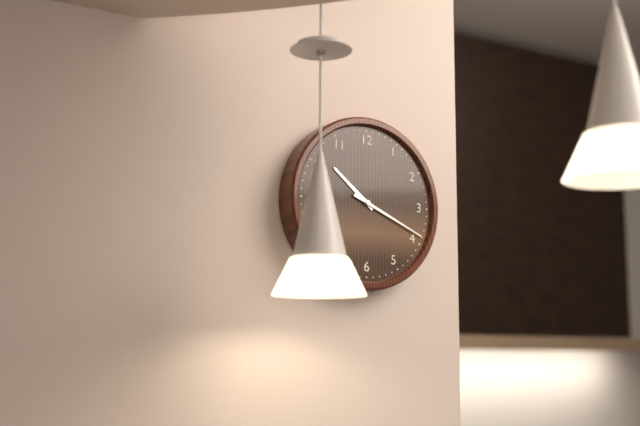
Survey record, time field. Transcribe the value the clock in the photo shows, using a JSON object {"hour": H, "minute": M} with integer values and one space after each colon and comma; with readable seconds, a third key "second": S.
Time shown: {"hour": 10, "minute": 19}
